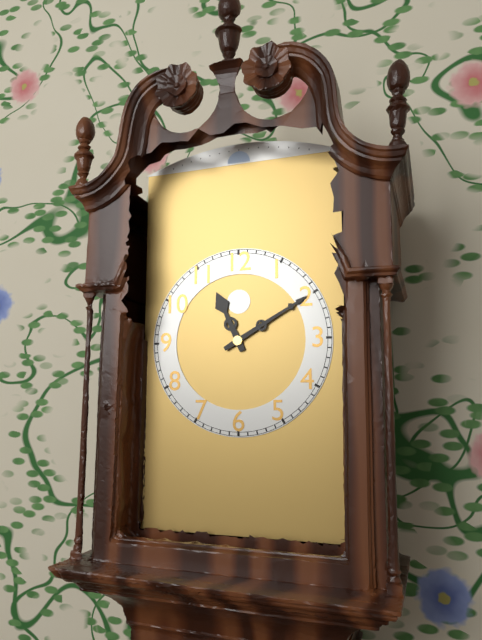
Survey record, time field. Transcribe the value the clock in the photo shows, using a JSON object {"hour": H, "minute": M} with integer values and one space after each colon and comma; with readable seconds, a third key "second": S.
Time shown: {"hour": 11, "minute": 10}
